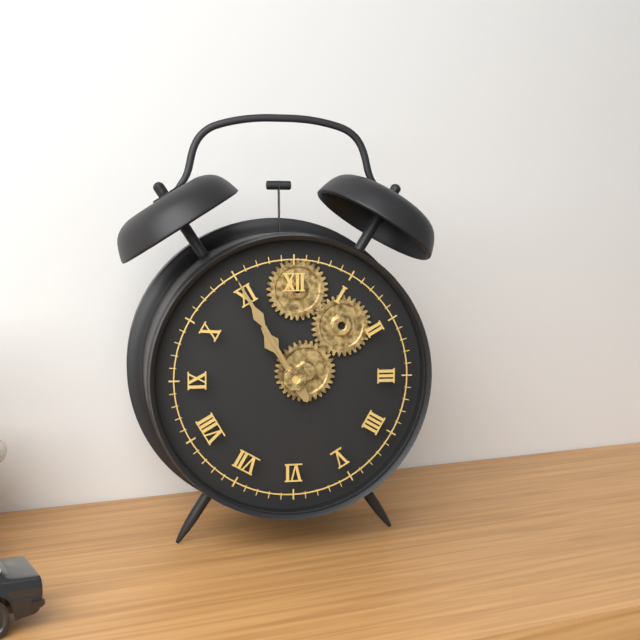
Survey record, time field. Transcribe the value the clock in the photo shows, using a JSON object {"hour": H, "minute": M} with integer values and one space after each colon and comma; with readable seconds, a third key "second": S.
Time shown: {"hour": 10, "minute": 55}
